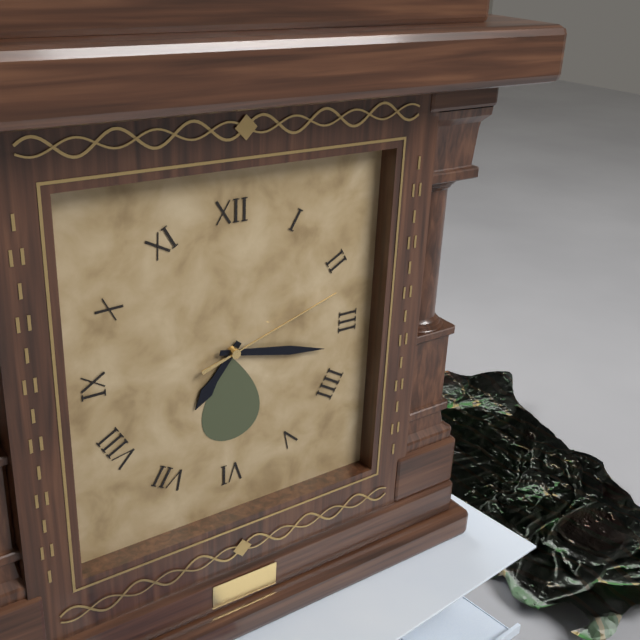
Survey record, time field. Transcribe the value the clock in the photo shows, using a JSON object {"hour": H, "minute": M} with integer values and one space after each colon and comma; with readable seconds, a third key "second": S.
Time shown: {"hour": 7, "minute": 17, "second": 12}
